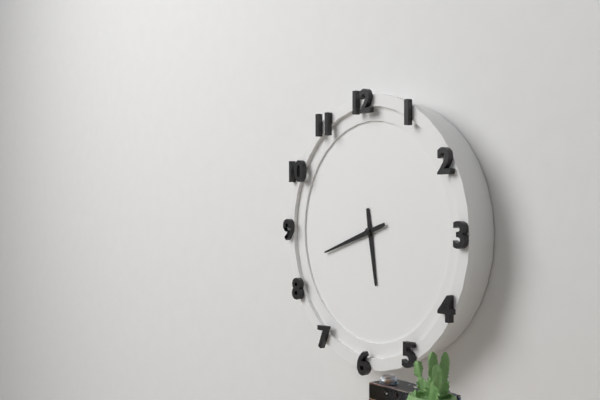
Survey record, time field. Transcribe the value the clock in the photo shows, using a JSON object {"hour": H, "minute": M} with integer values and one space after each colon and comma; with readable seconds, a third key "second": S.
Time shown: {"hour": 5, "minute": 42}
